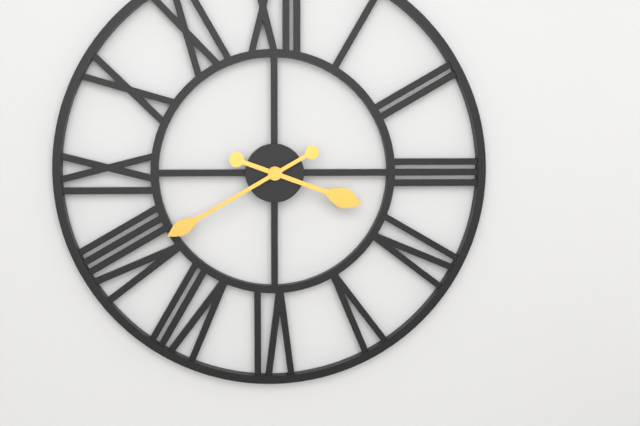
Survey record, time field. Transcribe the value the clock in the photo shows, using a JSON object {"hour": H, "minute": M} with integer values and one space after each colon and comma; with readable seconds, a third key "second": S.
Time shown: {"hour": 3, "minute": 40}
